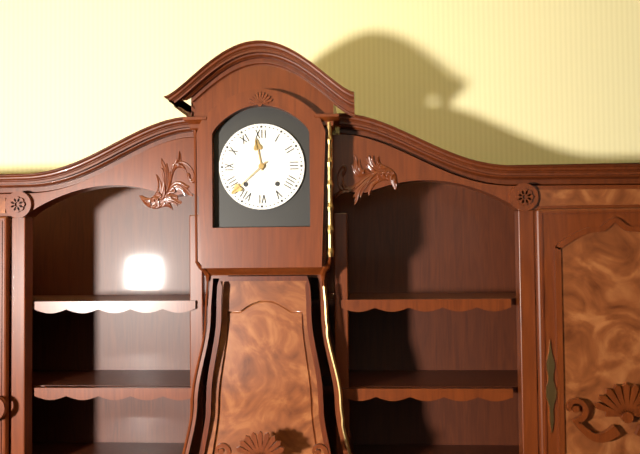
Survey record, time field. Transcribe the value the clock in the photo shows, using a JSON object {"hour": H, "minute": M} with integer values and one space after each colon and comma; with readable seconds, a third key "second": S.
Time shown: {"hour": 11, "minute": 38}
